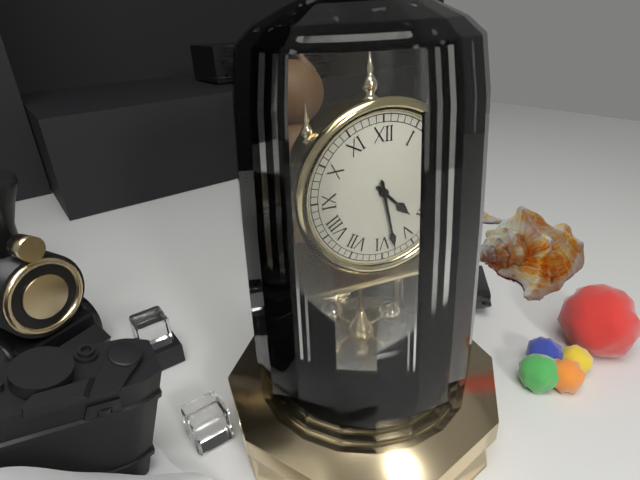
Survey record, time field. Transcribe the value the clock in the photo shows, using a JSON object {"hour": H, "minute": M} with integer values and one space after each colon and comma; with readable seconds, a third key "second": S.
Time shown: {"hour": 4, "minute": 28}
